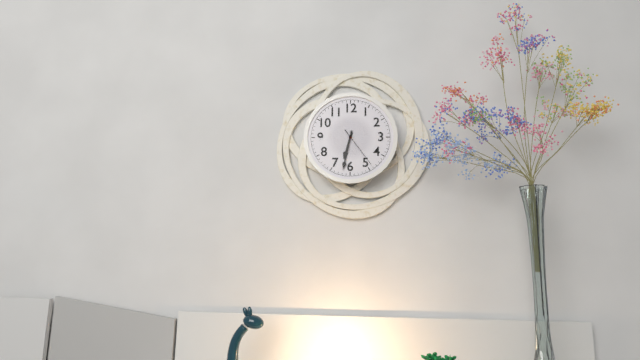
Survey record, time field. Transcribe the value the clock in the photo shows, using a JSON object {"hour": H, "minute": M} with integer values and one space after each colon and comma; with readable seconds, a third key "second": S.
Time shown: {"hour": 6, "minute": 32}
